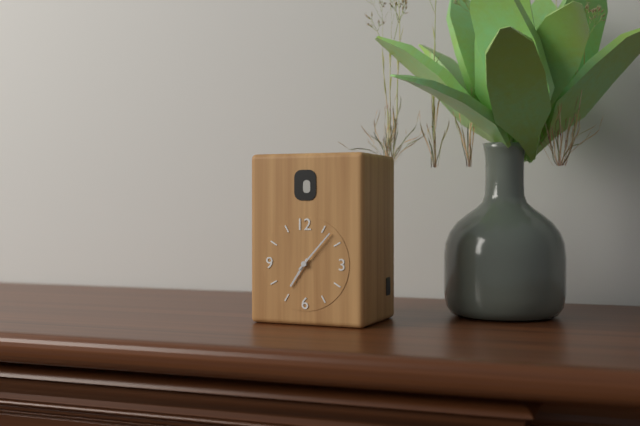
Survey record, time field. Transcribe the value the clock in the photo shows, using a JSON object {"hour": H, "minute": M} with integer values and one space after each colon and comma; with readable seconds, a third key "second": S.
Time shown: {"hour": 7, "minute": 7}
